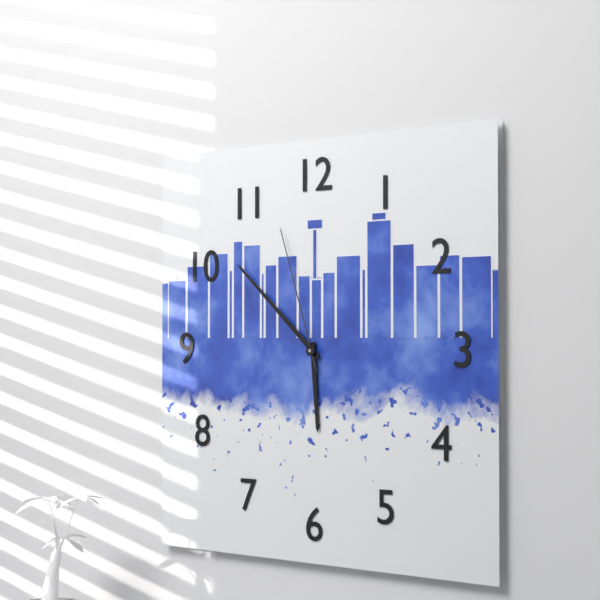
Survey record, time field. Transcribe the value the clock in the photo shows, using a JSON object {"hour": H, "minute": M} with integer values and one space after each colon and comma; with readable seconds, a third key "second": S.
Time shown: {"hour": 5, "minute": 52, "second": 57}
